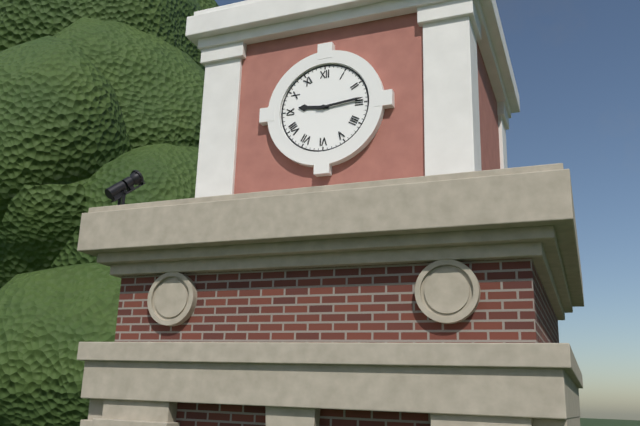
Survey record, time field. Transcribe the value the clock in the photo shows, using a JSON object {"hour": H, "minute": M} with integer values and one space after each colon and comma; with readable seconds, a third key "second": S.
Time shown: {"hour": 9, "minute": 14}
